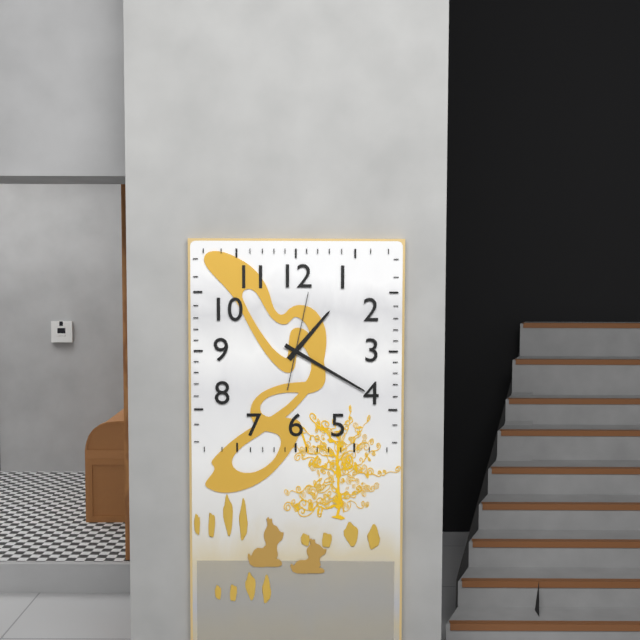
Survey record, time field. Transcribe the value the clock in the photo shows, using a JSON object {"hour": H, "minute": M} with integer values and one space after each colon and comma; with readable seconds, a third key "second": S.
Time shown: {"hour": 1, "minute": 20, "second": 2}
